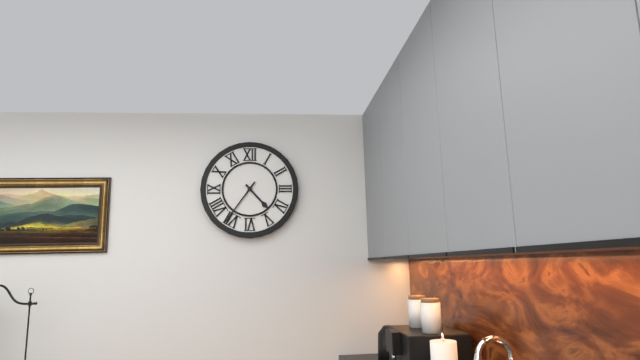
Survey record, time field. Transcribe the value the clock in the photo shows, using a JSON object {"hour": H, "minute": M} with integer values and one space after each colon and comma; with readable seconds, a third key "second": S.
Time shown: {"hour": 4, "minute": 36}
